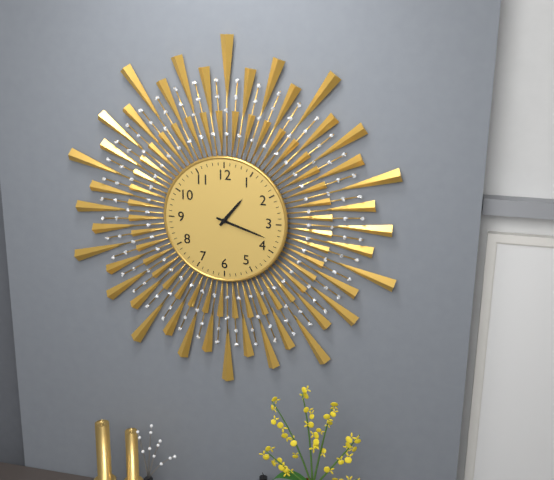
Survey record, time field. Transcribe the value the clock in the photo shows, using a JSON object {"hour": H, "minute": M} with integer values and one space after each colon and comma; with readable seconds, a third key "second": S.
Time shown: {"hour": 1, "minute": 18}
